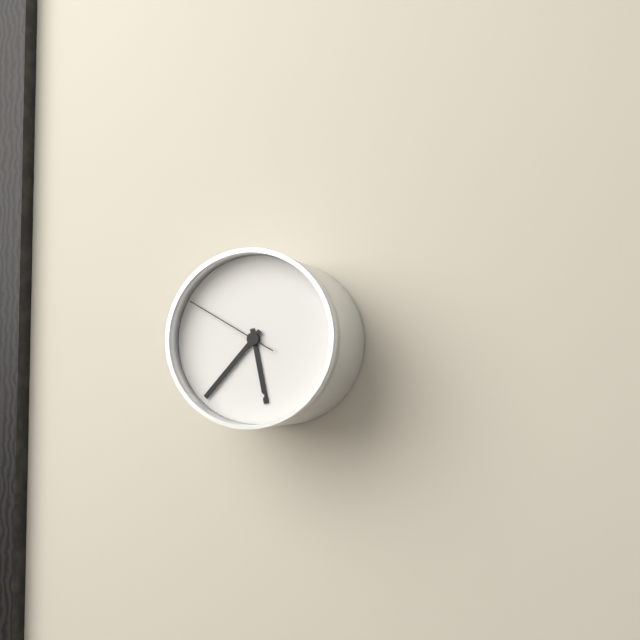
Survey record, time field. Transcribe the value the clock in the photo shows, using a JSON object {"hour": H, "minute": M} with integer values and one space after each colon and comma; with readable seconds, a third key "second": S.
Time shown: {"hour": 5, "minute": 37, "second": 50}
